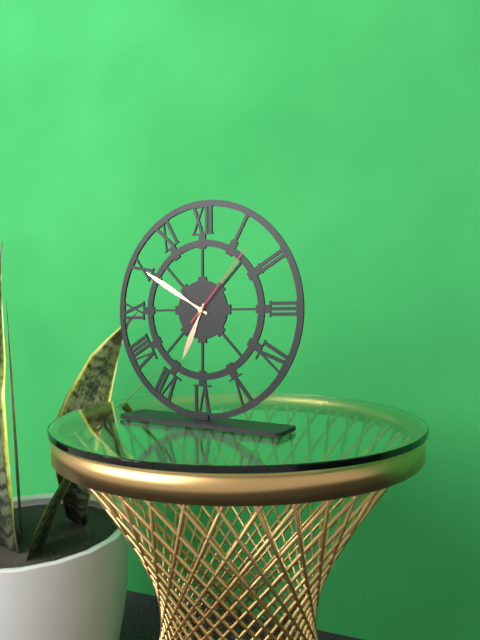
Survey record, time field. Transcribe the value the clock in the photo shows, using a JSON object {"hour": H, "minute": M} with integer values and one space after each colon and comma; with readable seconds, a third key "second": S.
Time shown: {"hour": 6, "minute": 50, "second": 7}
